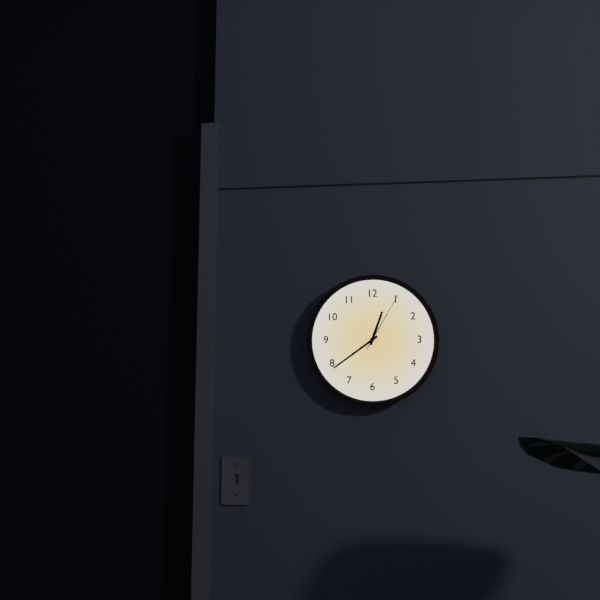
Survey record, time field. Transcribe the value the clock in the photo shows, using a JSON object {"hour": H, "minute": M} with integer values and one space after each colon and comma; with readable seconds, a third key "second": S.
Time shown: {"hour": 12, "minute": 39, "second": 5}
